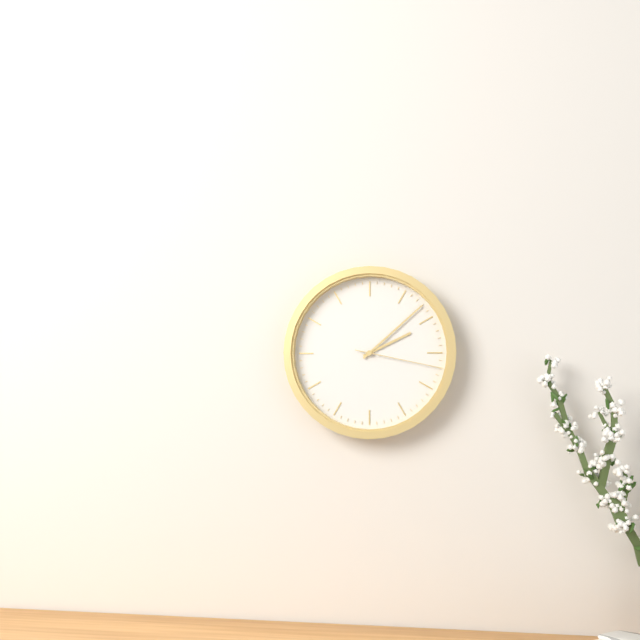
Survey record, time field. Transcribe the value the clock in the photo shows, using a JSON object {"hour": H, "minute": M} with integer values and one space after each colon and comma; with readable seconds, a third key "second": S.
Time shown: {"hour": 2, "minute": 8, "second": 17}
